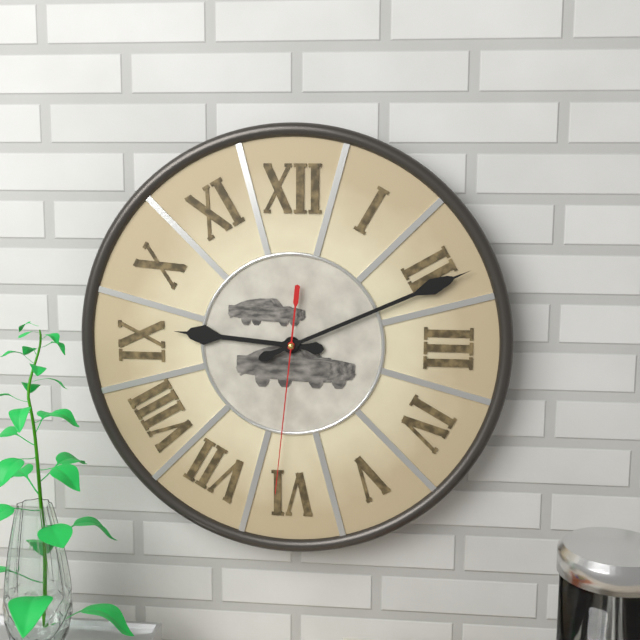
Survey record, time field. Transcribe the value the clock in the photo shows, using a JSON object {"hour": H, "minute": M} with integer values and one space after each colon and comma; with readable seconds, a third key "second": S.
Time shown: {"hour": 9, "minute": 11, "second": 31}
